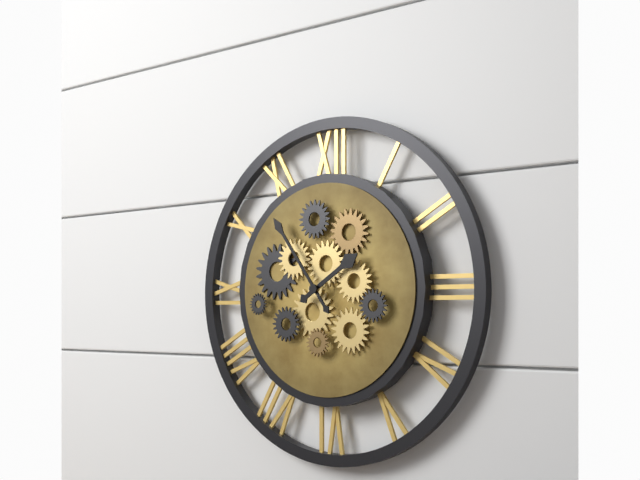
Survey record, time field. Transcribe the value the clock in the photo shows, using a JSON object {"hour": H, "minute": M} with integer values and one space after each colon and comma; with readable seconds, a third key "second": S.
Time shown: {"hour": 1, "minute": 54}
